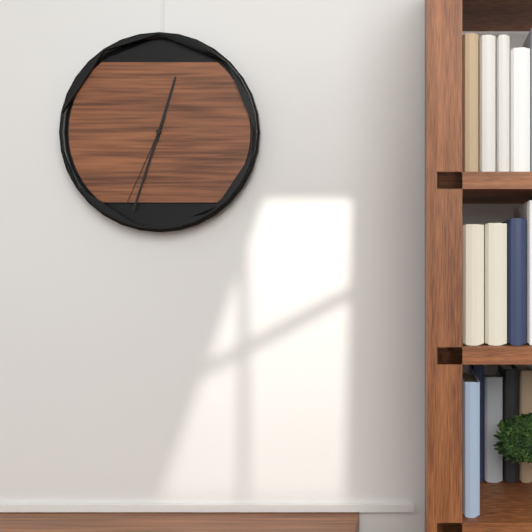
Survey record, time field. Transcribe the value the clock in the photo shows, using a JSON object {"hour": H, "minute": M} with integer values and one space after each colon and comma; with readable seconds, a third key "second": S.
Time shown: {"hour": 12, "minute": 33, "second": 34}
